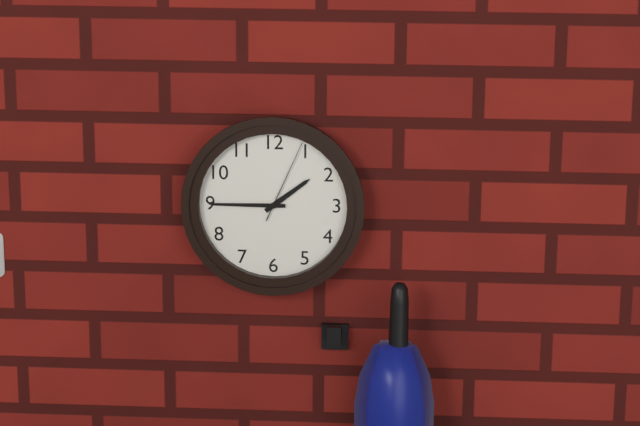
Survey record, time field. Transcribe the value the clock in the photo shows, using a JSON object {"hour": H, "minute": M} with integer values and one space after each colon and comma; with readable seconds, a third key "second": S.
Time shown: {"hour": 1, "minute": 45, "second": 4}
